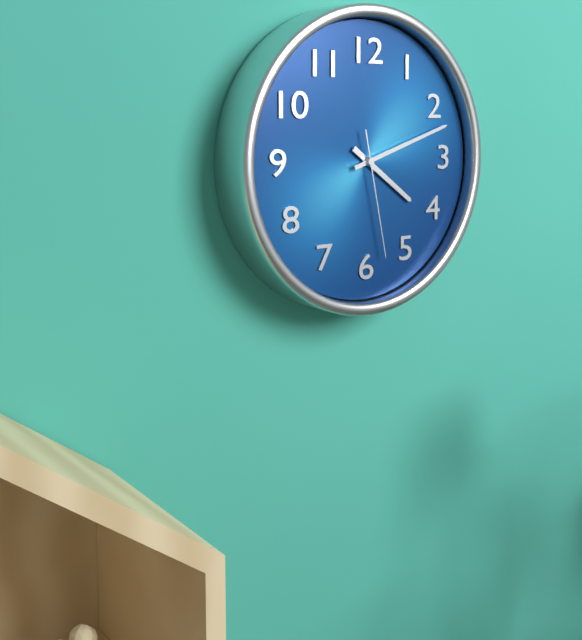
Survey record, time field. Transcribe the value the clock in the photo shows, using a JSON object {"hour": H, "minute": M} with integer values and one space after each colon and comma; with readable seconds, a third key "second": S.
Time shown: {"hour": 4, "minute": 12, "second": 28}
